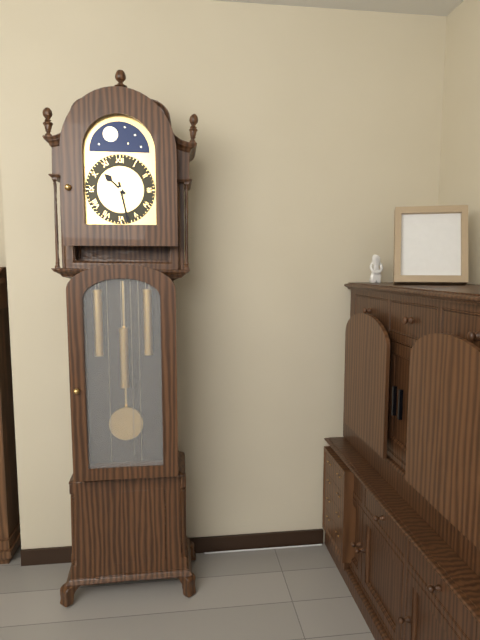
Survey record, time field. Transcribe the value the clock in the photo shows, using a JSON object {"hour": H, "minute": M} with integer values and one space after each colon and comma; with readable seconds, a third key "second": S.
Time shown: {"hour": 10, "minute": 28}
